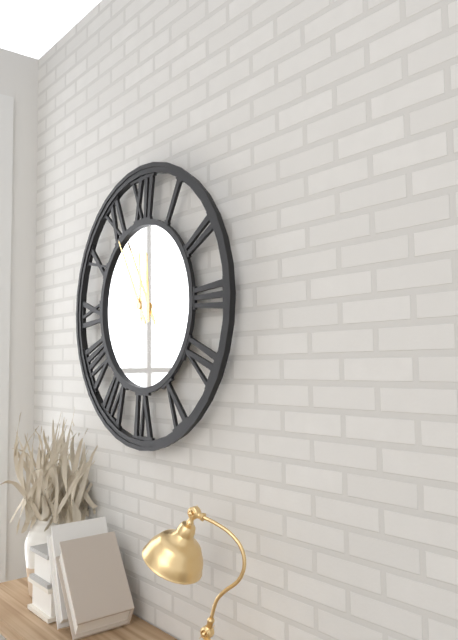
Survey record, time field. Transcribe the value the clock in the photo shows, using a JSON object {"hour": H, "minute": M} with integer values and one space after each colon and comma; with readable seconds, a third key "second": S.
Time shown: {"hour": 11, "minute": 55}
